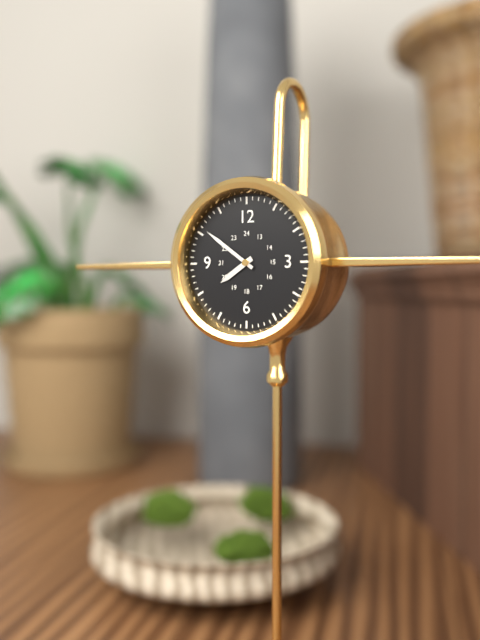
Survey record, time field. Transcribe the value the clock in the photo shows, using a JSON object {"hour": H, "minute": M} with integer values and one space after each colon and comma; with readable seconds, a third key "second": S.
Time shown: {"hour": 7, "minute": 51}
